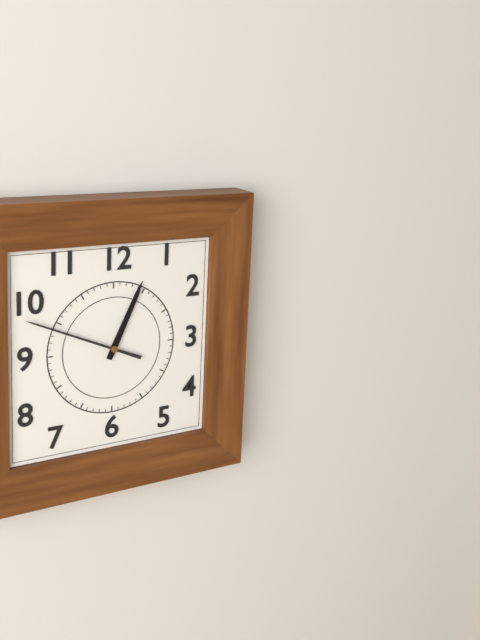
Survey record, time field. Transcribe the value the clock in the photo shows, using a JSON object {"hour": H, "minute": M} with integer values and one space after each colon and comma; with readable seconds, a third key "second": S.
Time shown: {"hour": 12, "minute": 49}
